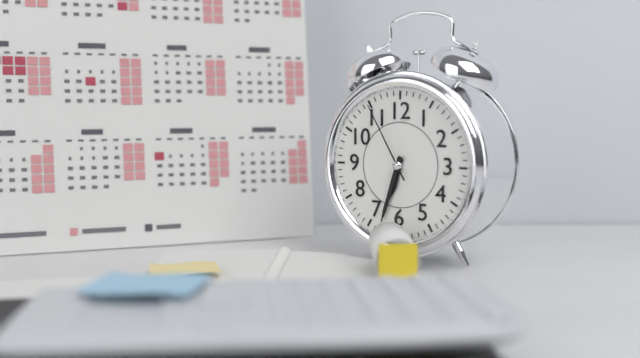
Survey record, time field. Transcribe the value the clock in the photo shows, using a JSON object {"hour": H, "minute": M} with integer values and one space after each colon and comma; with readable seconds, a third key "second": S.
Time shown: {"hour": 6, "minute": 33, "second": 55}
